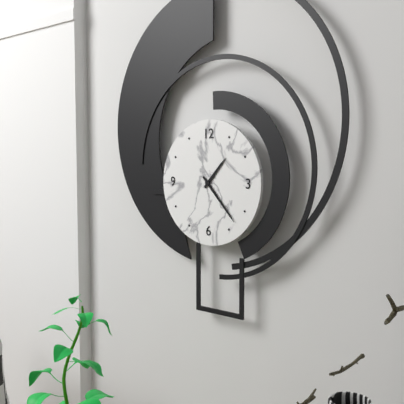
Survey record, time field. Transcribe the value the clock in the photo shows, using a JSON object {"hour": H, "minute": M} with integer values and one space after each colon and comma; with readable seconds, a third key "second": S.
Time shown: {"hour": 1, "minute": 23}
